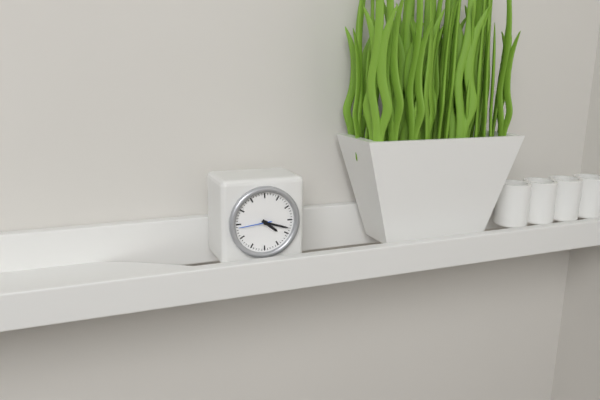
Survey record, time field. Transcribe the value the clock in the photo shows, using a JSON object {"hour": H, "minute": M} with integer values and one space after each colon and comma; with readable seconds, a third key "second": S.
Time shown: {"hour": 4, "minute": 18}
